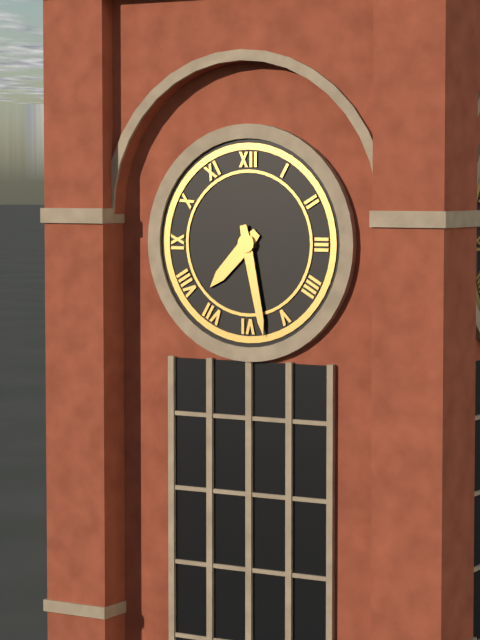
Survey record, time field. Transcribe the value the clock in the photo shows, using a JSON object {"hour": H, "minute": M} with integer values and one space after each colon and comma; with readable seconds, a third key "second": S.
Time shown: {"hour": 7, "minute": 28}
